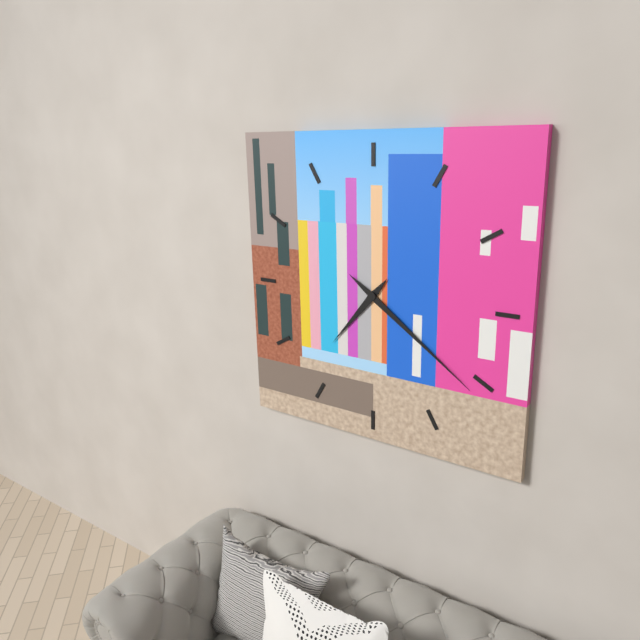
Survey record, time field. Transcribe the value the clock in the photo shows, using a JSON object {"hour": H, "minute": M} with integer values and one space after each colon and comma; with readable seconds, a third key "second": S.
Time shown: {"hour": 7, "minute": 21}
